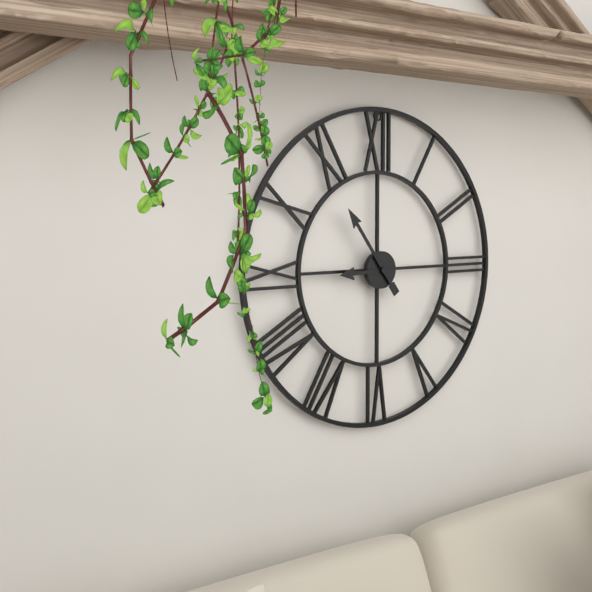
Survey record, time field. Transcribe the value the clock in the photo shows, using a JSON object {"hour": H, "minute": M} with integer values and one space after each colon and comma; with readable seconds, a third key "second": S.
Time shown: {"hour": 8, "minute": 54}
